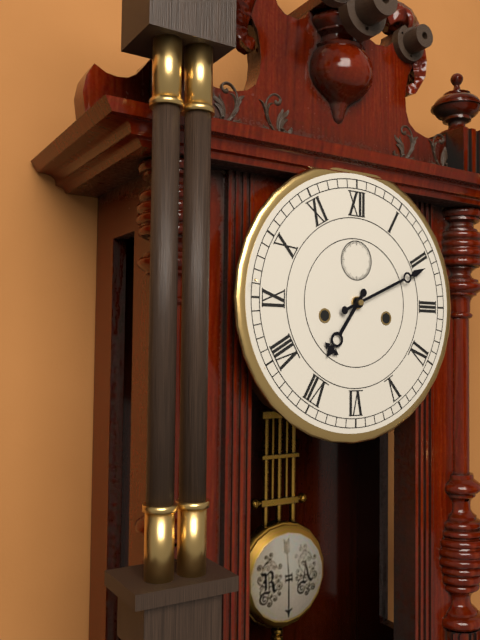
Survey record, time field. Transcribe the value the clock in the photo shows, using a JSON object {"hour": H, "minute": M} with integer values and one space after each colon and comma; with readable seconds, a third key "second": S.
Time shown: {"hour": 7, "minute": 11}
